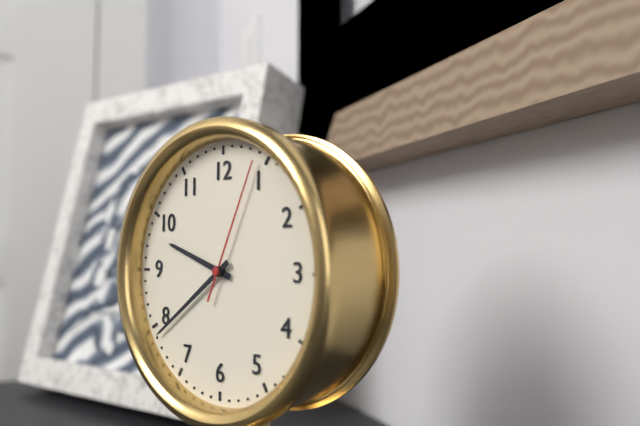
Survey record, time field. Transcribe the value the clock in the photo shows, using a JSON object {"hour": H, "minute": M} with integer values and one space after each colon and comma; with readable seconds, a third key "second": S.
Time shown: {"hour": 9, "minute": 39, "second": 4}
